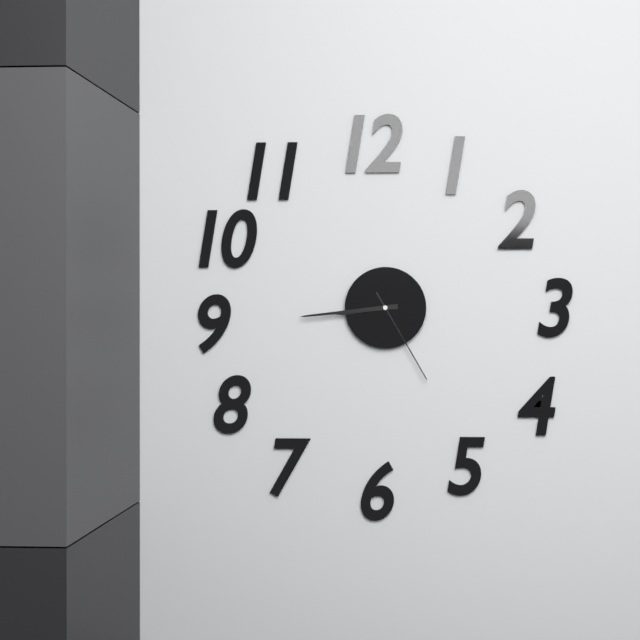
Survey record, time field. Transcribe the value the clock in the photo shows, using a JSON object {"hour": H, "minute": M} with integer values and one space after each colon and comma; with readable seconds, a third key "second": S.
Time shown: {"hour": 8, "minute": 44, "second": 25}
